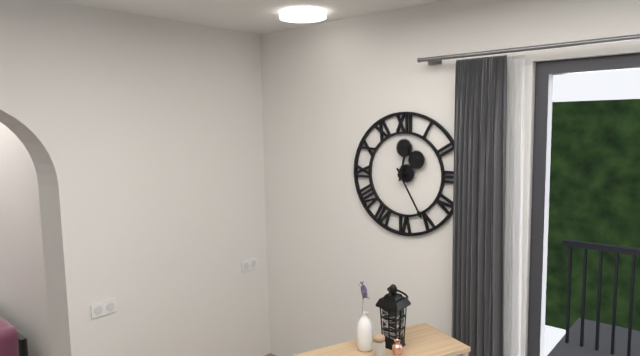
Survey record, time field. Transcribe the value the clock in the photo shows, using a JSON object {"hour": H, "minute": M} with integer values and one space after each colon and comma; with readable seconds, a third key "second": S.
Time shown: {"hour": 12, "minute": 25}
